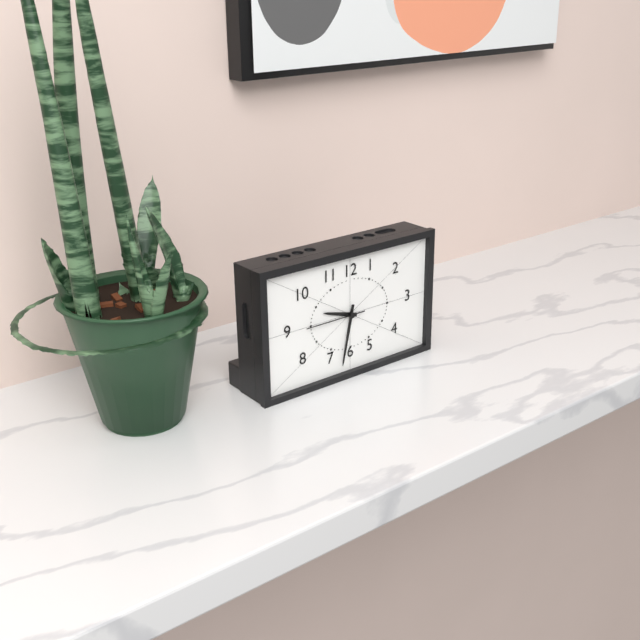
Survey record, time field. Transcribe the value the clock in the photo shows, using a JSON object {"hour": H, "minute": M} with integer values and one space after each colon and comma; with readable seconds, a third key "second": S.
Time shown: {"hour": 9, "minute": 32, "second": 45}
